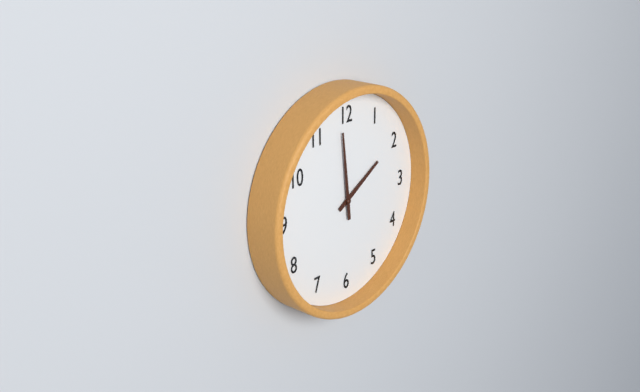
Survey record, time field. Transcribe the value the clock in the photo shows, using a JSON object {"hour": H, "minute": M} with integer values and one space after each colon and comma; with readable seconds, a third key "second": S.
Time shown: {"hour": 1, "minute": 59}
